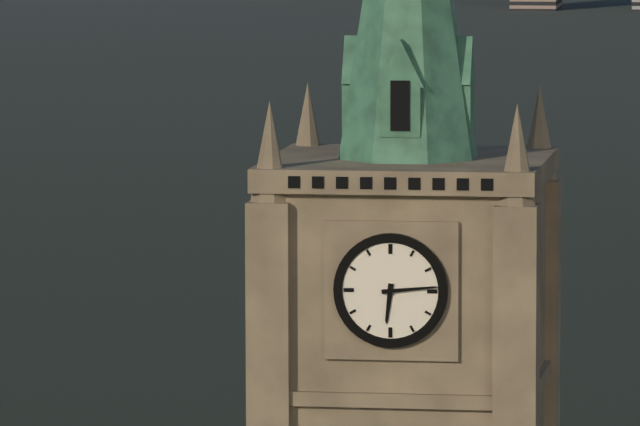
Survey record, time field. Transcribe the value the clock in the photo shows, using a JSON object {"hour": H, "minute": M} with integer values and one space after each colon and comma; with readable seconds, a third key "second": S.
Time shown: {"hour": 6, "minute": 14}
